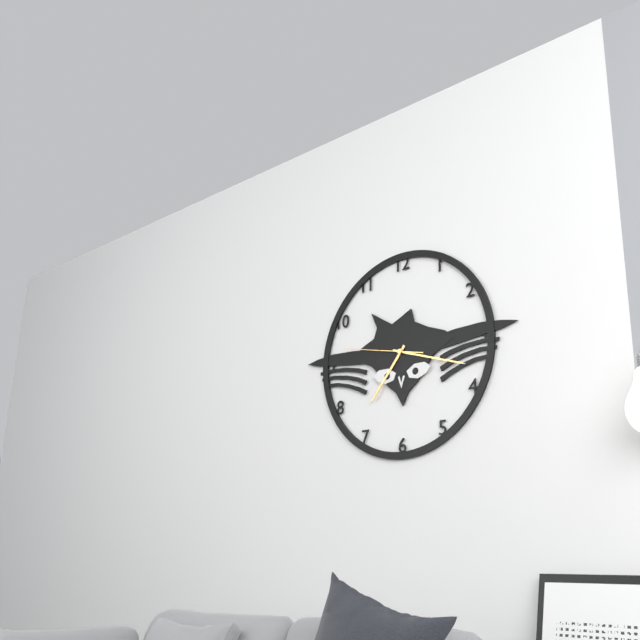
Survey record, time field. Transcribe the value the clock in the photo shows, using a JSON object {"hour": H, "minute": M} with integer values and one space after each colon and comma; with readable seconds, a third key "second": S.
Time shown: {"hour": 7, "minute": 18, "second": 47}
